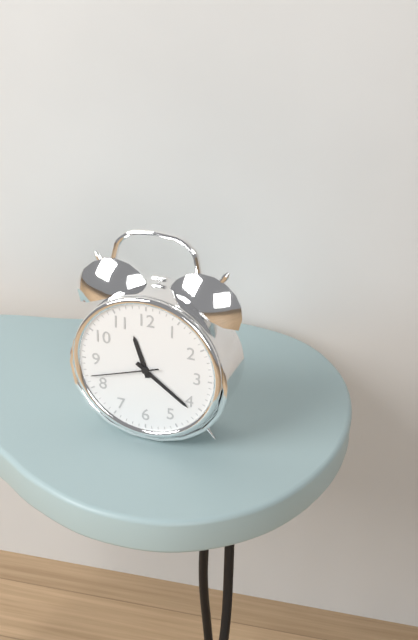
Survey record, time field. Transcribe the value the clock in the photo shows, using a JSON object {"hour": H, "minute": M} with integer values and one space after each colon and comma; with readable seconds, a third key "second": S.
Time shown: {"hour": 11, "minute": 21, "second": 42}
